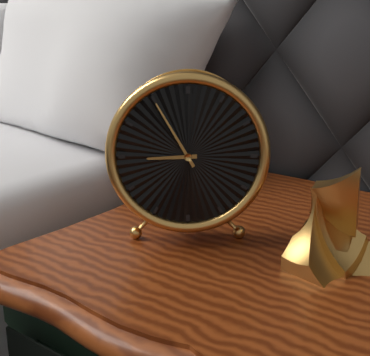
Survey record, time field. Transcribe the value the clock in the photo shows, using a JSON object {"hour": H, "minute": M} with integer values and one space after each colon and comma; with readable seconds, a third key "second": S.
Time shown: {"hour": 8, "minute": 55}
